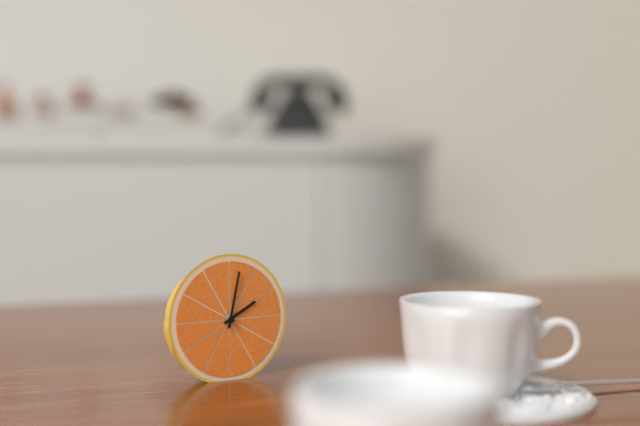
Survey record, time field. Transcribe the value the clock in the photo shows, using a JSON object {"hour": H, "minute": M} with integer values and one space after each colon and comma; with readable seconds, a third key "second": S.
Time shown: {"hour": 2, "minute": 2}
